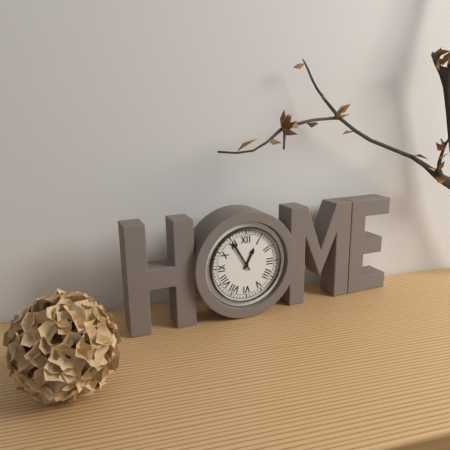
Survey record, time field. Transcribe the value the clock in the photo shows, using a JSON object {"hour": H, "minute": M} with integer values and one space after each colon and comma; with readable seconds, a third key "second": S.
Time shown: {"hour": 12, "minute": 55}
